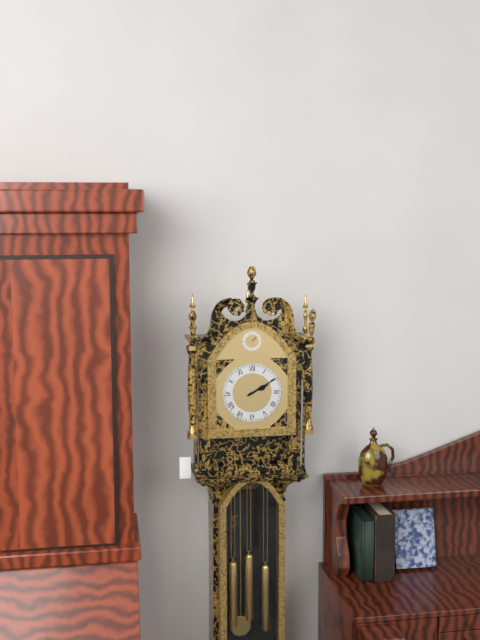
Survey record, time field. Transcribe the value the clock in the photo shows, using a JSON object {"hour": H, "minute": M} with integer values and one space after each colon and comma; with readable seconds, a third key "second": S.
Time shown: {"hour": 2, "minute": 10}
